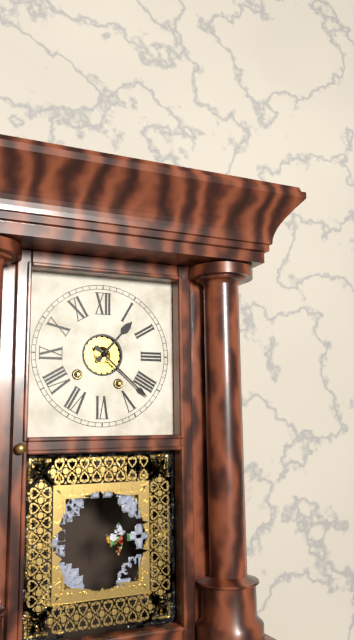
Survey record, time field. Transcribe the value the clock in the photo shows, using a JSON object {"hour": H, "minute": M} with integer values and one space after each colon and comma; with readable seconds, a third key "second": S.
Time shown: {"hour": 1, "minute": 22}
